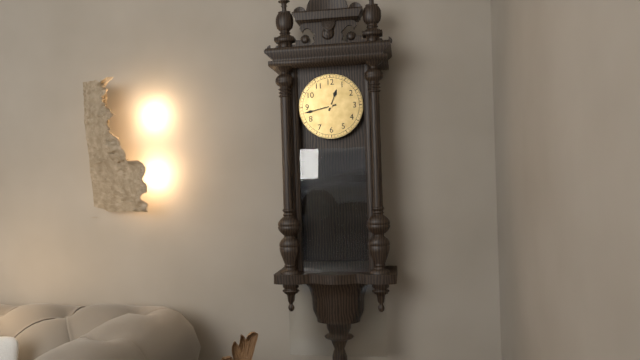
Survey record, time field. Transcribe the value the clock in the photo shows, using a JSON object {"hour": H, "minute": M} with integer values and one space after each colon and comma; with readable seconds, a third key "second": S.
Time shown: {"hour": 12, "minute": 43}
